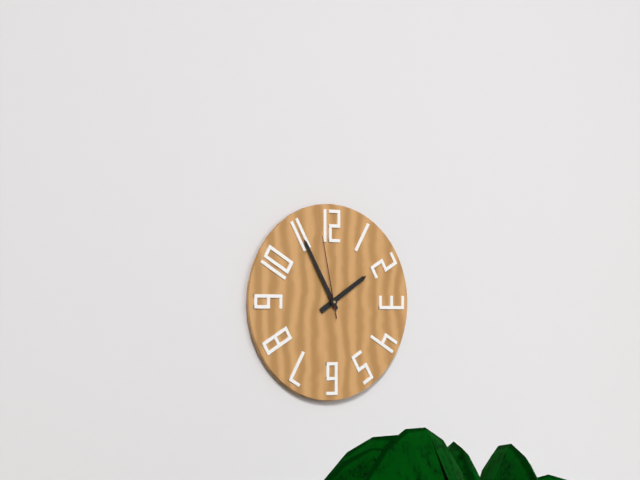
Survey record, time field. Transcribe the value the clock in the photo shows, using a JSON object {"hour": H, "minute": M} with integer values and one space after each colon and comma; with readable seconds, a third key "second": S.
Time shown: {"hour": 1, "minute": 55, "second": 58}
